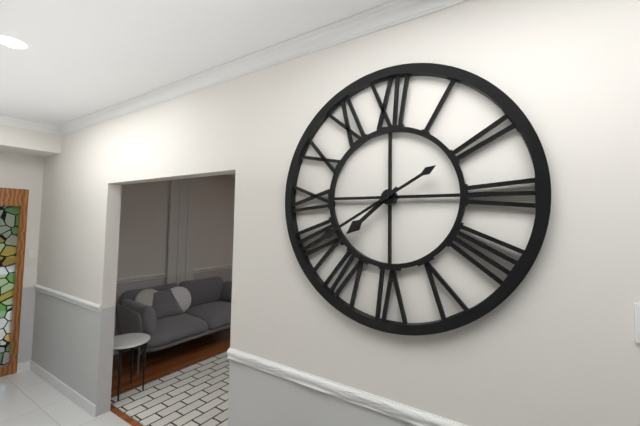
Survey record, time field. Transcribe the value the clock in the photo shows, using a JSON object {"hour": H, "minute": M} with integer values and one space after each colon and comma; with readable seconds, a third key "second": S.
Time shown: {"hour": 7, "minute": 40}
